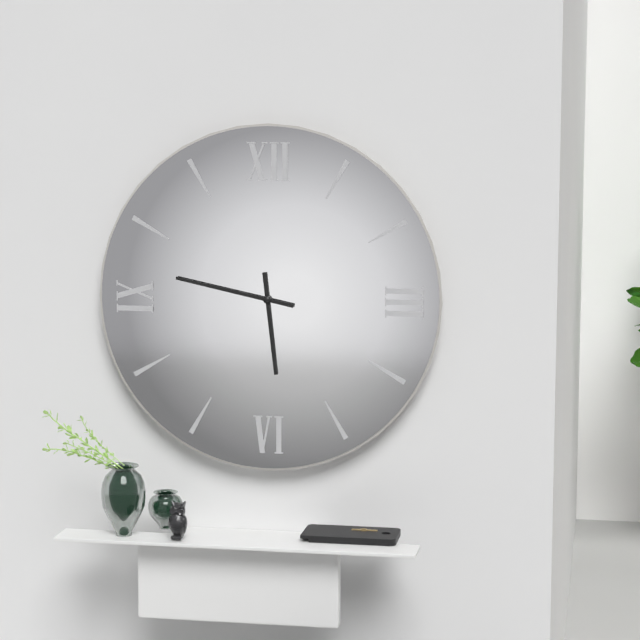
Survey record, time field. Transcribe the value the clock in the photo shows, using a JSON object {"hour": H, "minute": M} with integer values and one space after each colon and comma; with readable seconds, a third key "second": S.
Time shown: {"hour": 5, "minute": 47}
